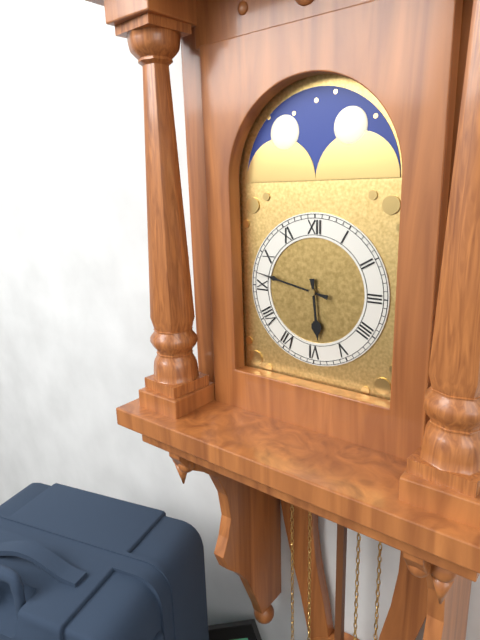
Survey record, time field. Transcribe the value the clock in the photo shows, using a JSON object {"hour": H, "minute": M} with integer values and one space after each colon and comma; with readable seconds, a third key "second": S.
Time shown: {"hour": 5, "minute": 47}
